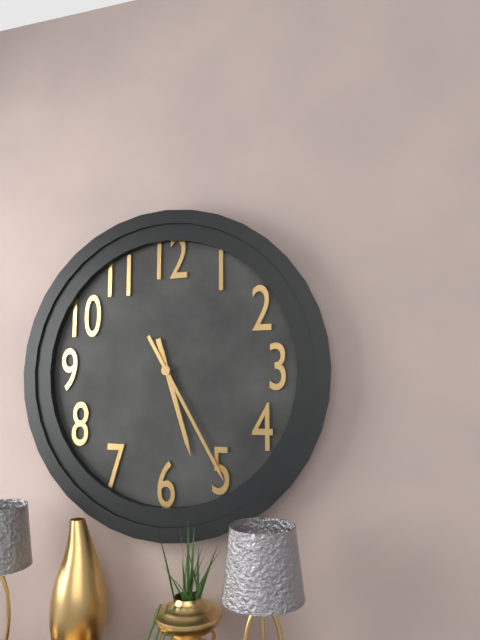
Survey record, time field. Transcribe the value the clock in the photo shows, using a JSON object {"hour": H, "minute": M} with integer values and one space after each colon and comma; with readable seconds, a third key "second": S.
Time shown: {"hour": 5, "minute": 25}
